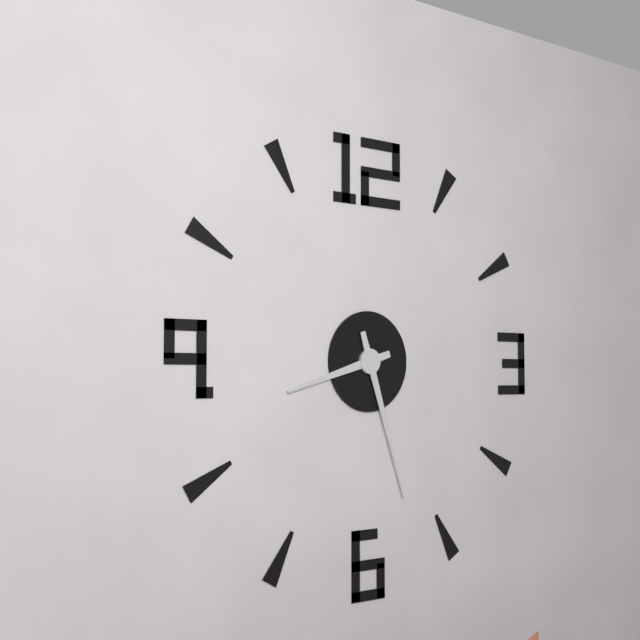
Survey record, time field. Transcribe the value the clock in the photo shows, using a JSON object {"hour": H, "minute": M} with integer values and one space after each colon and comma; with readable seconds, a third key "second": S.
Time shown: {"hour": 8, "minute": 27}
